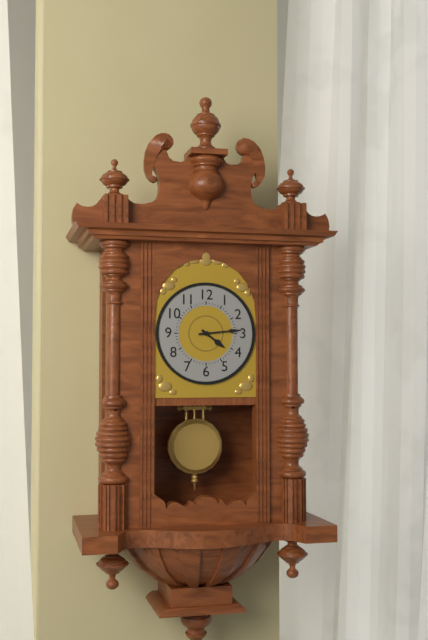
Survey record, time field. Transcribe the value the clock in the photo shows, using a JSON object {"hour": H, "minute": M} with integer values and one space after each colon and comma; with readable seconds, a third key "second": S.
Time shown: {"hour": 4, "minute": 14}
